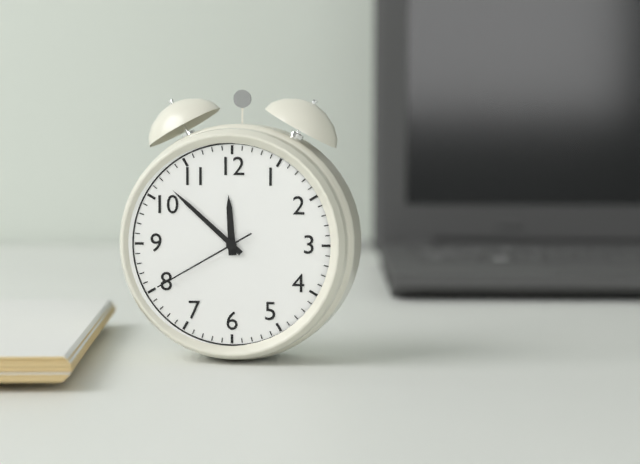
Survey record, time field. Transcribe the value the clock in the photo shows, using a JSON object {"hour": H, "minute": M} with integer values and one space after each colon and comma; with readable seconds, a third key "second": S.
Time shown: {"hour": 11, "minute": 52, "second": 40}
